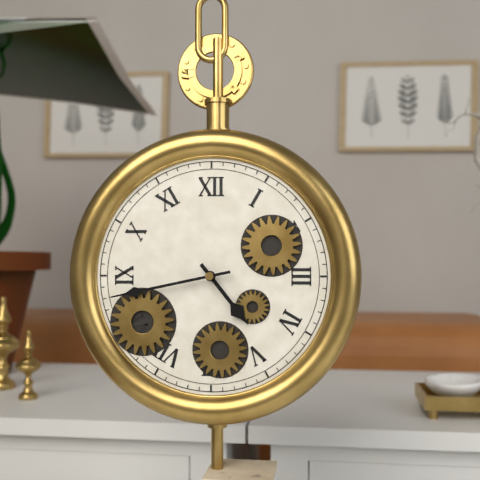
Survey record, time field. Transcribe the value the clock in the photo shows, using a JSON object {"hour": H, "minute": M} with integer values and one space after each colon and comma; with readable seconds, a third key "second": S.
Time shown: {"hour": 4, "minute": 43}
